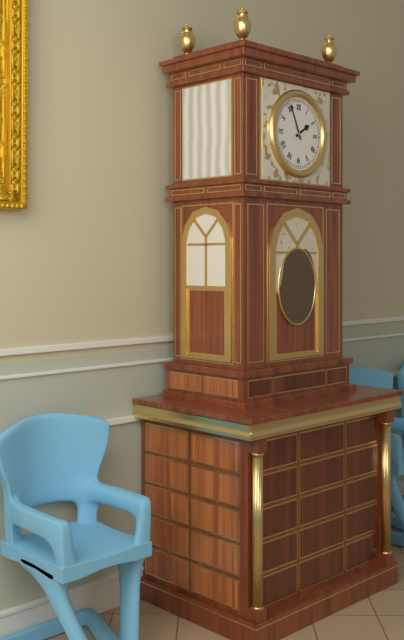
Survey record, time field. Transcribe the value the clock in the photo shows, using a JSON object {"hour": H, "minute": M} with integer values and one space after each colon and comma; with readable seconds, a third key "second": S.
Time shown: {"hour": 1, "minute": 56}
